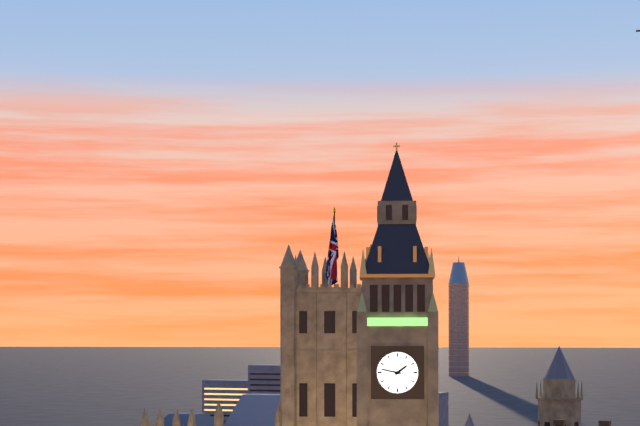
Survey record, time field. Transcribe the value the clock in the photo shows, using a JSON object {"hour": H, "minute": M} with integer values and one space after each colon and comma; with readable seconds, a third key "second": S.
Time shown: {"hour": 1, "minute": 47}
